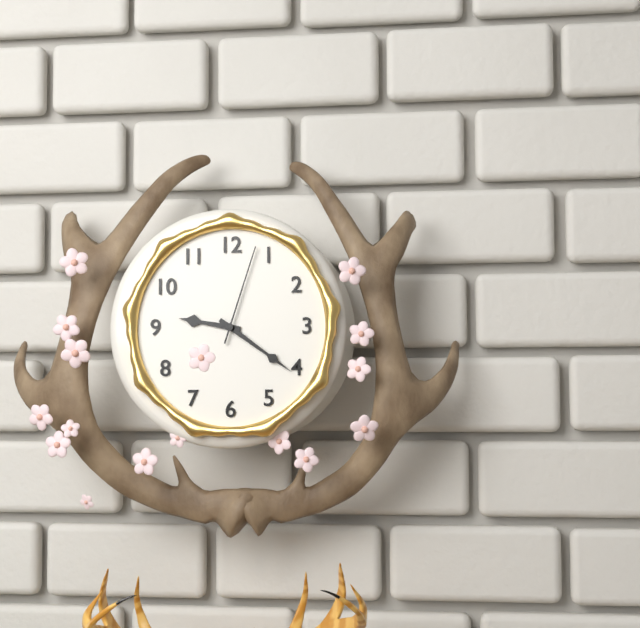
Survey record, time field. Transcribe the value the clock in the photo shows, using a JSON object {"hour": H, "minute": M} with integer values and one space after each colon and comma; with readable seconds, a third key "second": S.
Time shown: {"hour": 9, "minute": 21, "second": 3}
